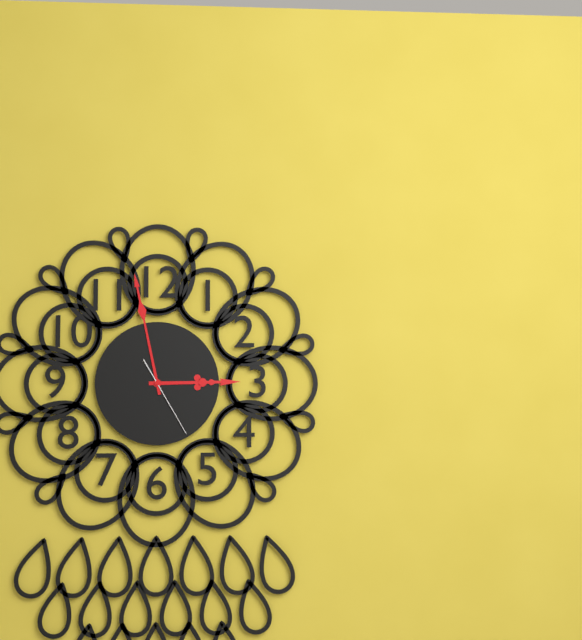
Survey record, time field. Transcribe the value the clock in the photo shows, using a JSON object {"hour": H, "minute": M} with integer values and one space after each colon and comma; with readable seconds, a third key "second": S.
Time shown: {"hour": 2, "minute": 58, "second": 25}
